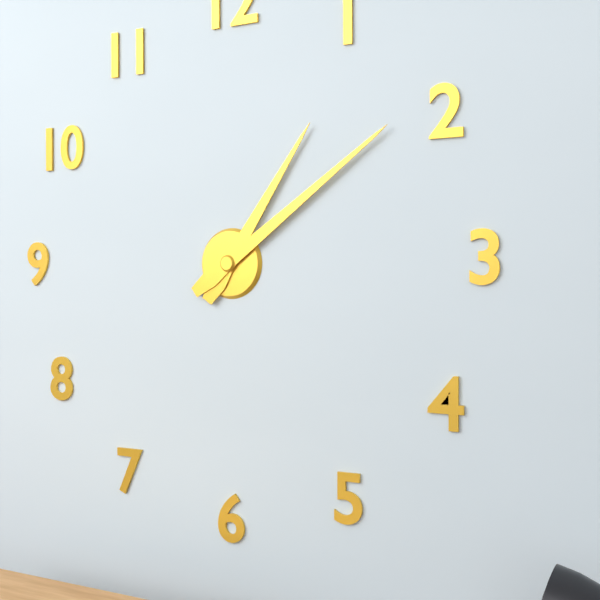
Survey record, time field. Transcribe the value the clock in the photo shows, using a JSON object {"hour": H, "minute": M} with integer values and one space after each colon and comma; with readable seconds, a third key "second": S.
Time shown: {"hour": 1, "minute": 9}
